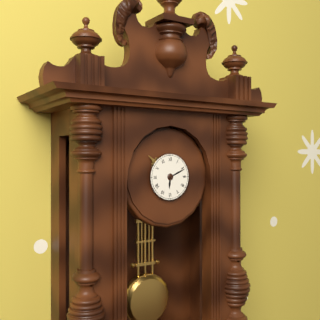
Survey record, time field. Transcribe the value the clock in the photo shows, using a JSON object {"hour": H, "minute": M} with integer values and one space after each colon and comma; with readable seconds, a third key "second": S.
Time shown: {"hour": 6, "minute": 11}
